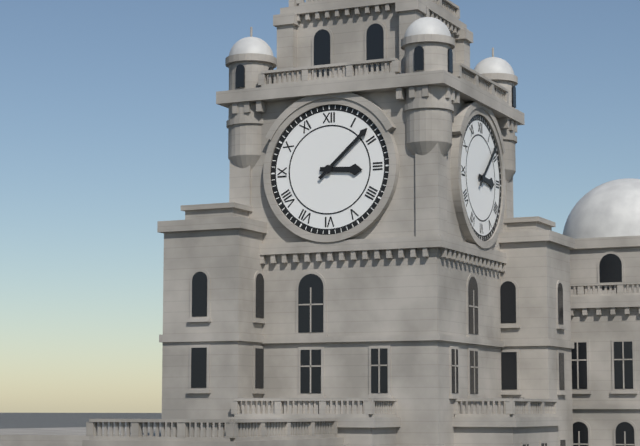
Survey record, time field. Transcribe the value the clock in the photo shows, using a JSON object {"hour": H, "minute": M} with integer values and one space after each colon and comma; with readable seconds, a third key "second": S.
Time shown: {"hour": 3, "minute": 8}
